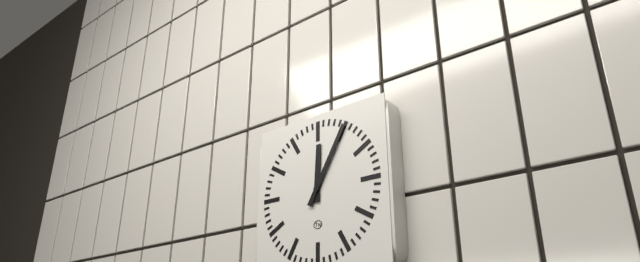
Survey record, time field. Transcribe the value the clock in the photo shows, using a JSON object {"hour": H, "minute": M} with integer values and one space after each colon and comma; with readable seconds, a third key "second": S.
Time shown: {"hour": 12, "minute": 5}
